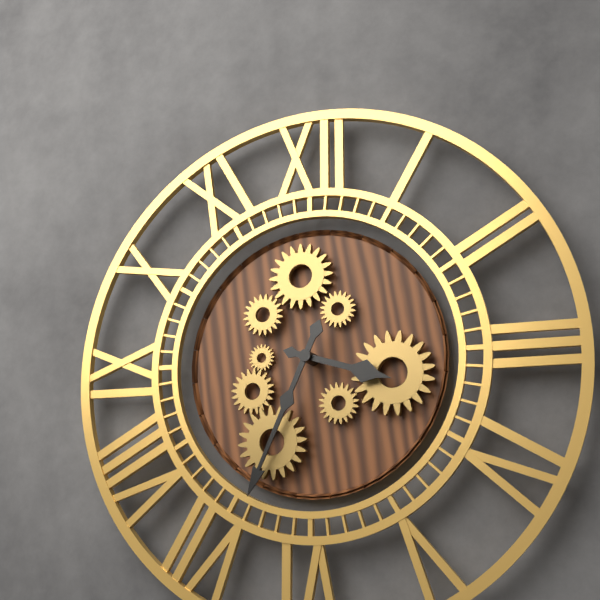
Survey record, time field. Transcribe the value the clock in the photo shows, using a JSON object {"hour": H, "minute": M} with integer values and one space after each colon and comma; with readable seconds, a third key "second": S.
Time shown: {"hour": 3, "minute": 34}
